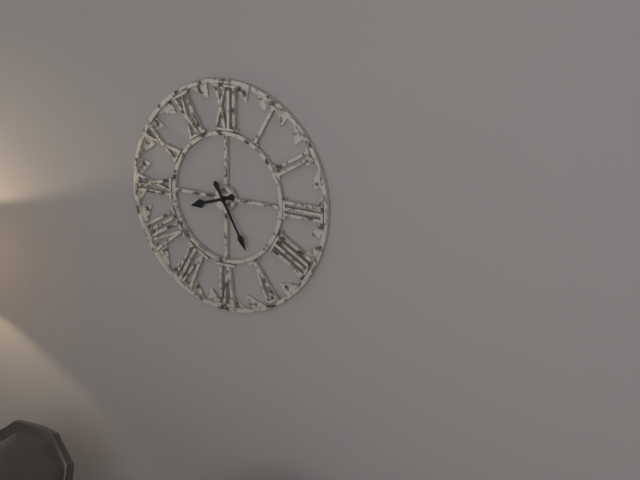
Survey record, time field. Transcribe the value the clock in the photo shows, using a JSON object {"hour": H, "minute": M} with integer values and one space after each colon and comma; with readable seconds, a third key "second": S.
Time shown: {"hour": 8, "minute": 25}
